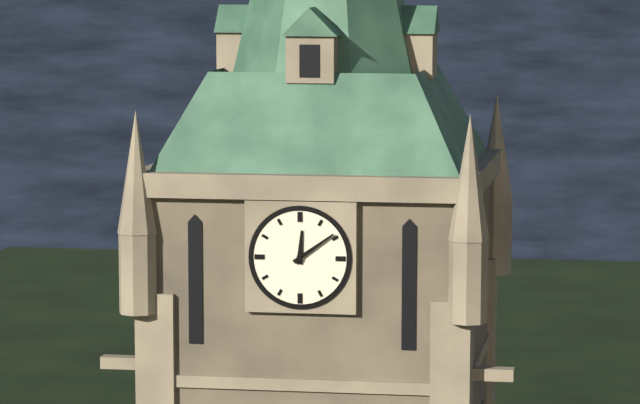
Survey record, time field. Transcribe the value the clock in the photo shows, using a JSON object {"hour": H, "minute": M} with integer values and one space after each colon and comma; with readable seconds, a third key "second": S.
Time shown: {"hour": 12, "minute": 9}
